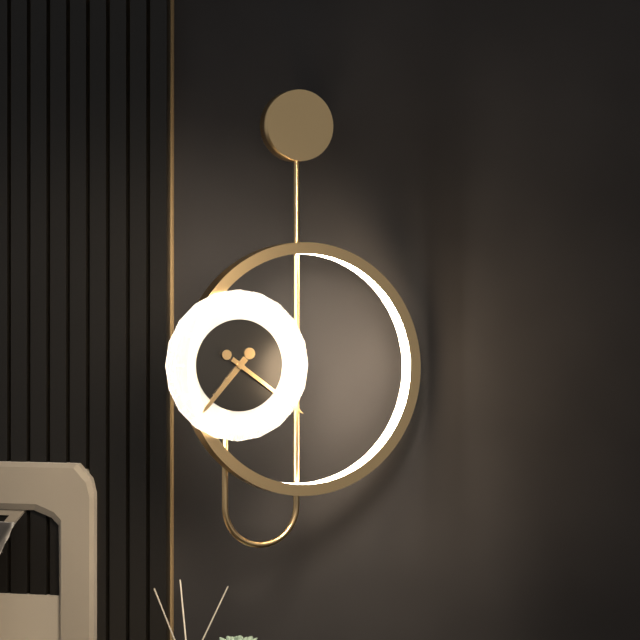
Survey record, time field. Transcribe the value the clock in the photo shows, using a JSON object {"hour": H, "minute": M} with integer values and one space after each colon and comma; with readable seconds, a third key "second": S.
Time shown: {"hour": 7, "minute": 21}
